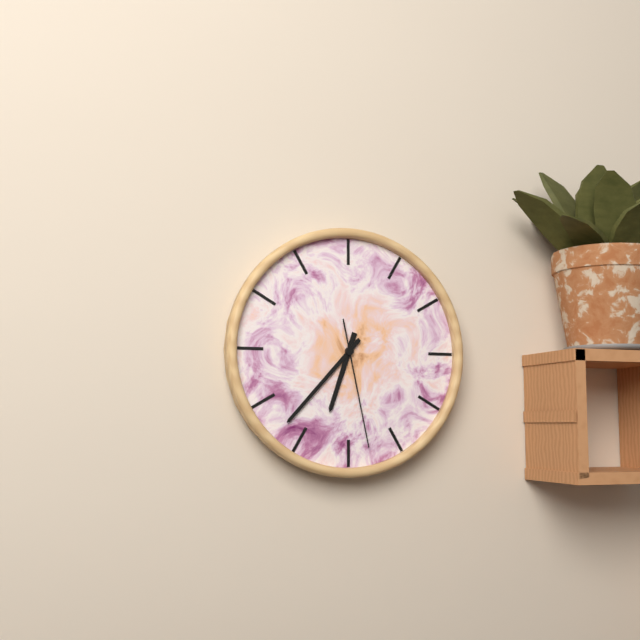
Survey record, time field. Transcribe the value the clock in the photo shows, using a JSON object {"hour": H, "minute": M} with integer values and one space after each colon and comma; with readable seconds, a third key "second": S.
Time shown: {"hour": 6, "minute": 37, "second": 28}
